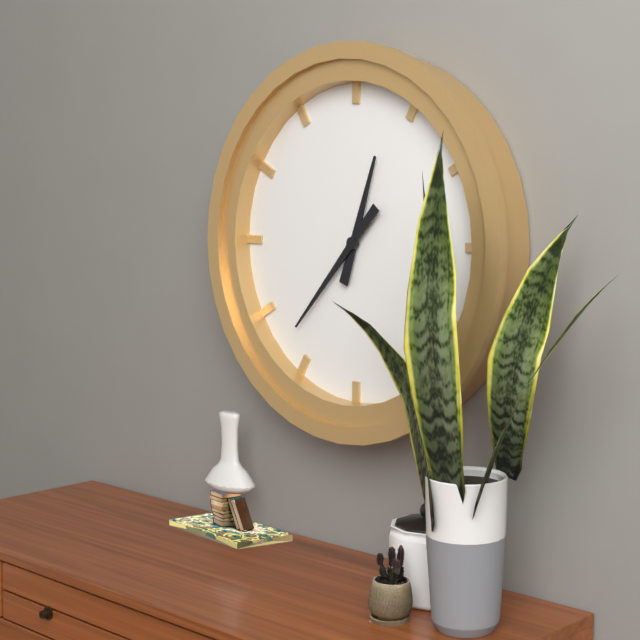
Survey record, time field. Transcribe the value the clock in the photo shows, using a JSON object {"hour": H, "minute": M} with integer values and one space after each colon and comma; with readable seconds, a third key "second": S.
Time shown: {"hour": 12, "minute": 37}
